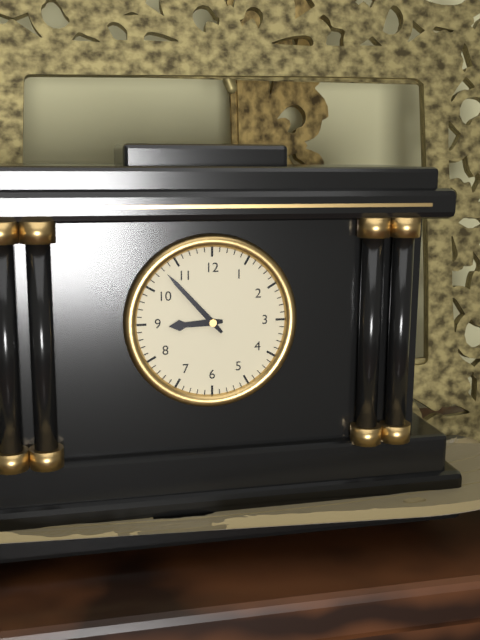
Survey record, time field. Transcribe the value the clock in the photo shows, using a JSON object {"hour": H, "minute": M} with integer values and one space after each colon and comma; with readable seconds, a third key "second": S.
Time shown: {"hour": 8, "minute": 53}
